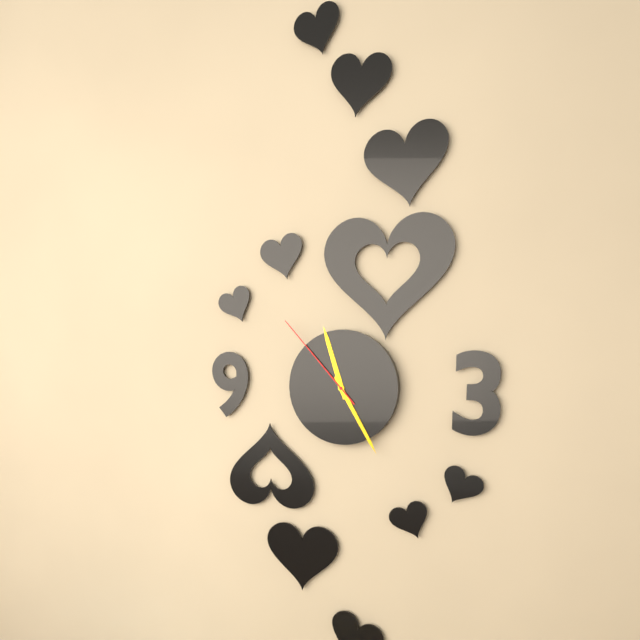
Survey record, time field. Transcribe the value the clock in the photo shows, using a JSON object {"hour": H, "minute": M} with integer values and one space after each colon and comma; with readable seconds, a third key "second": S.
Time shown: {"hour": 11, "minute": 25, "second": 53}
